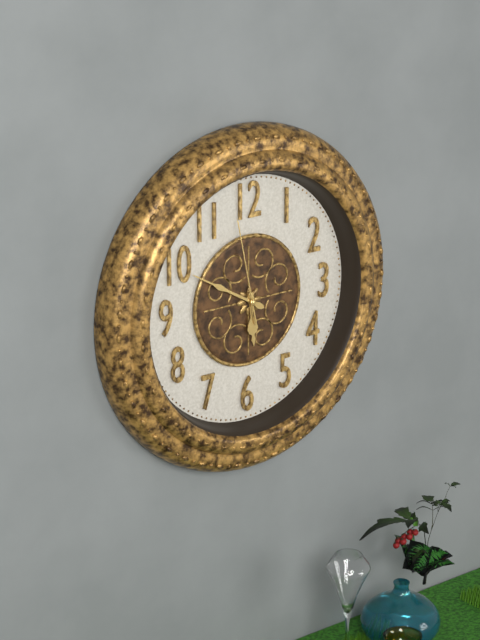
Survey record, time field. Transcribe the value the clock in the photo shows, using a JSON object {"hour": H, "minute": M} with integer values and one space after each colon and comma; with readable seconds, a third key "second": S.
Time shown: {"hour": 5, "minute": 50, "second": 58}
